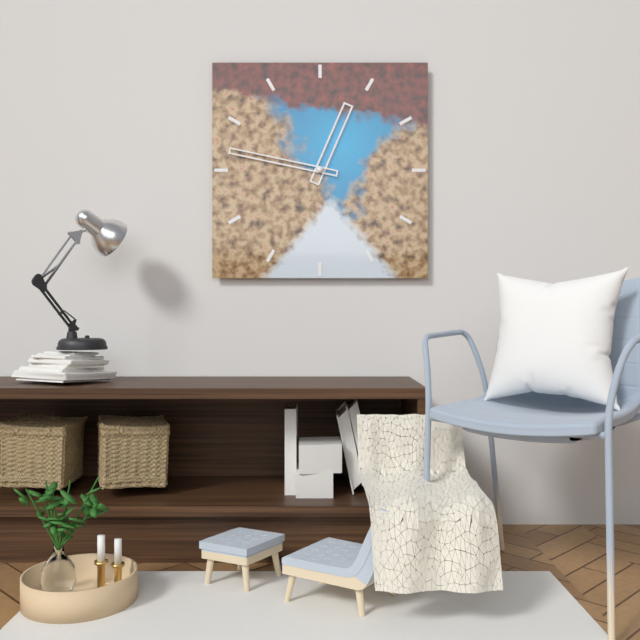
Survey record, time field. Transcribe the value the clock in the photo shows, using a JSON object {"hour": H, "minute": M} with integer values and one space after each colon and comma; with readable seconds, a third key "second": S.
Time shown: {"hour": 12, "minute": 47}
